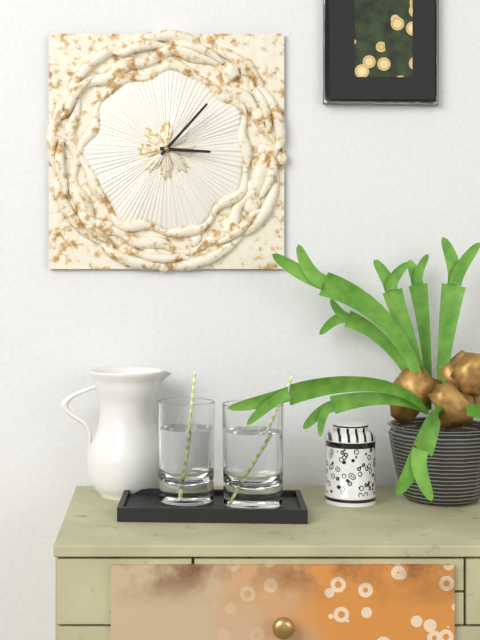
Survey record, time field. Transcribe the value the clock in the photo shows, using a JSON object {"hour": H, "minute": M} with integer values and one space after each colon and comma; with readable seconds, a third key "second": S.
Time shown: {"hour": 3, "minute": 7}
